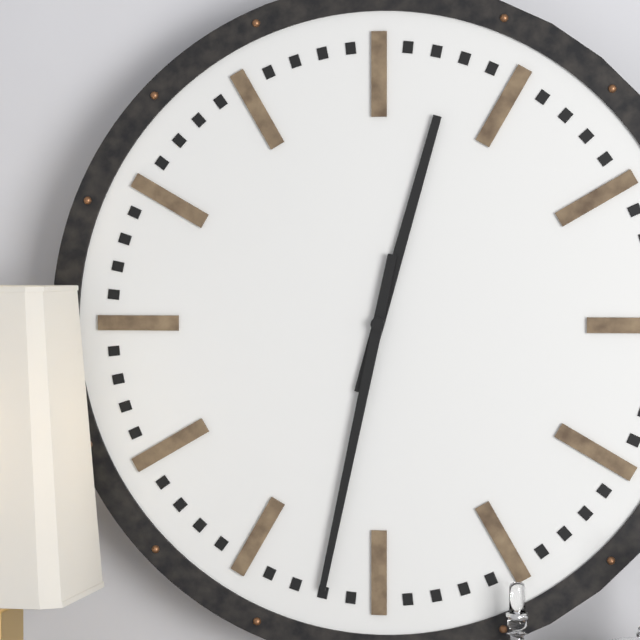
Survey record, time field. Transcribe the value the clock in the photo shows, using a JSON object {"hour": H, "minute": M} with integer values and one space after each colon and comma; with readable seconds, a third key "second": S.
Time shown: {"hour": 12, "minute": 32}
